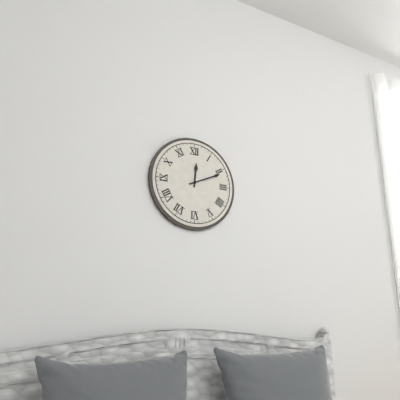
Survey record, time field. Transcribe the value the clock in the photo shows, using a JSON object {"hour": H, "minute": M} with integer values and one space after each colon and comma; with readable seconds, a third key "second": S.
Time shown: {"hour": 12, "minute": 11}
